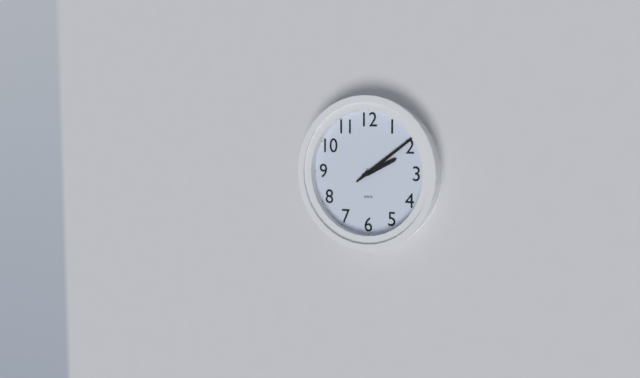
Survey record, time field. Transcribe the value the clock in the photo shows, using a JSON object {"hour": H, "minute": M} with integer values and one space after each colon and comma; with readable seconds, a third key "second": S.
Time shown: {"hour": 2, "minute": 9}
